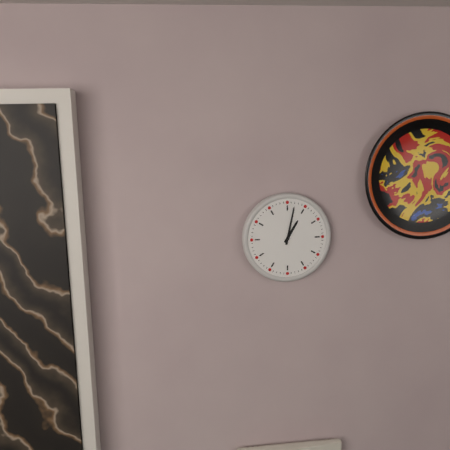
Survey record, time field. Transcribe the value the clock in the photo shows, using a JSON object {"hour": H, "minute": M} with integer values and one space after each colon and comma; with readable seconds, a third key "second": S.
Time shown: {"hour": 1, "minute": 2}
